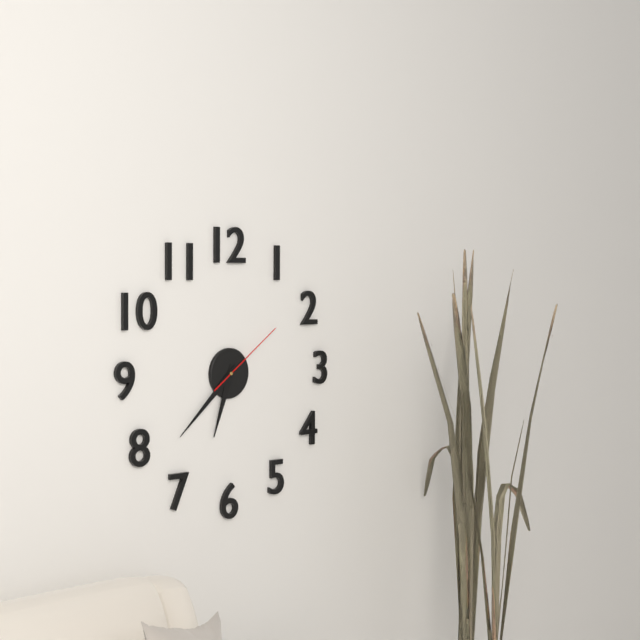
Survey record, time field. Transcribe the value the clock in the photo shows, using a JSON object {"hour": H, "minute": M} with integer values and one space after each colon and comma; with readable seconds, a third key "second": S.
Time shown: {"hour": 6, "minute": 38, "second": 9}
